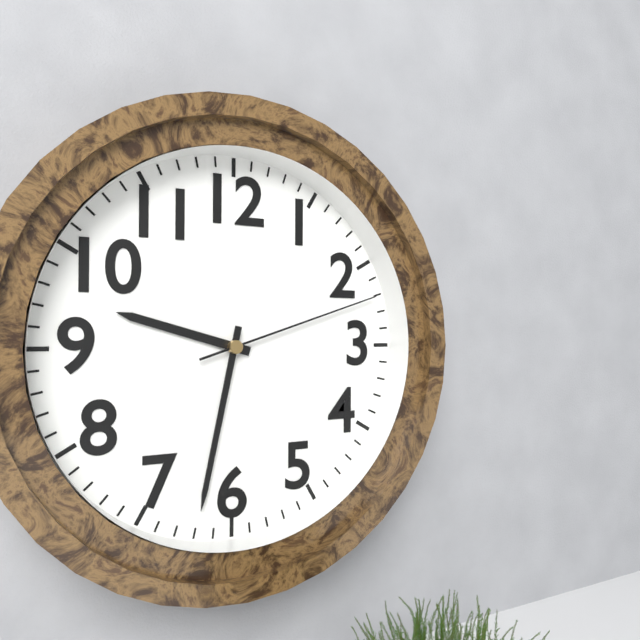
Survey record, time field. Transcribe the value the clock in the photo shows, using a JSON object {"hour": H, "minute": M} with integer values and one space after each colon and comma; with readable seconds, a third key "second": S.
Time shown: {"hour": 9, "minute": 32, "second": 12}
